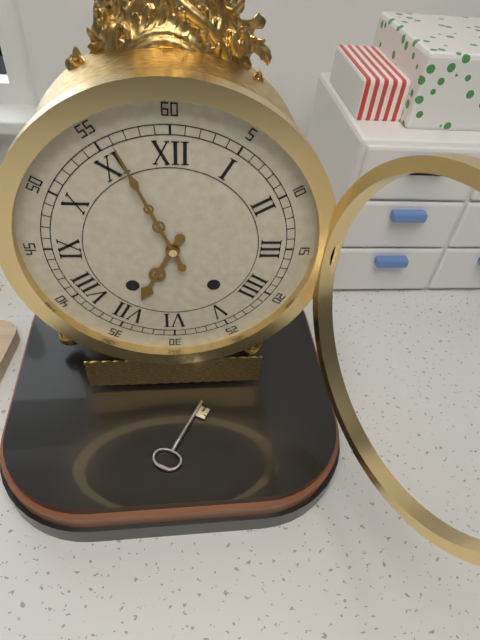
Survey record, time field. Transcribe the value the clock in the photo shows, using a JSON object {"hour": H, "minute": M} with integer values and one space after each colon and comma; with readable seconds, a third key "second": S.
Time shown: {"hour": 6, "minute": 56}
